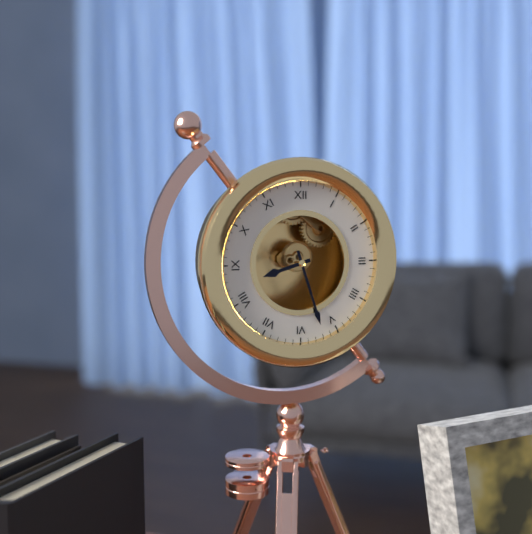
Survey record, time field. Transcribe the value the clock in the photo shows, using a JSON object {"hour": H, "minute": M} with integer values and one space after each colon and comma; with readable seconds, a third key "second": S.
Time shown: {"hour": 8, "minute": 27}
